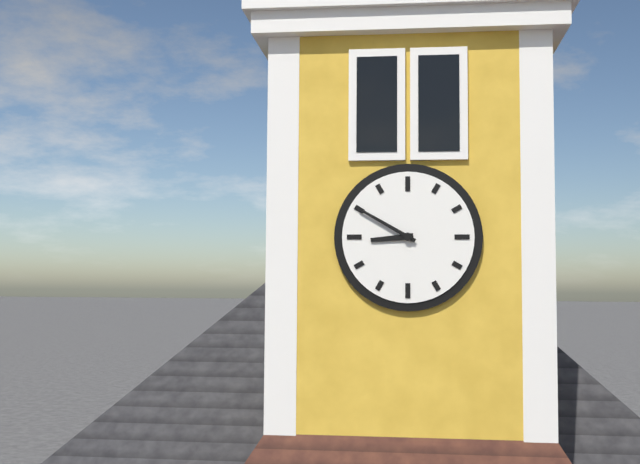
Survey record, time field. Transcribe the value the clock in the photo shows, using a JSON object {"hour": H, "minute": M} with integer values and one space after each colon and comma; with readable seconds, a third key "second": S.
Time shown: {"hour": 8, "minute": 50}
